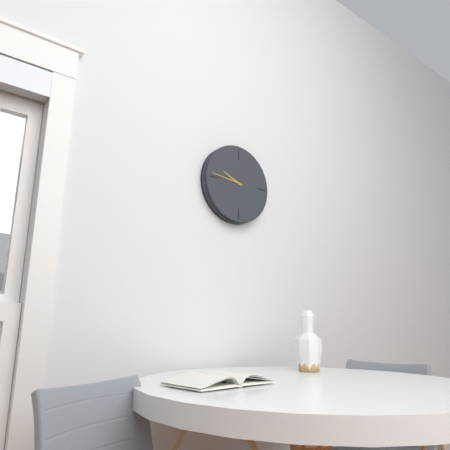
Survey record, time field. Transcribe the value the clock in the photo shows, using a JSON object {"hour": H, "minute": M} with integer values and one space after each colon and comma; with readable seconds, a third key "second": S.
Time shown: {"hour": 9, "minute": 46}
